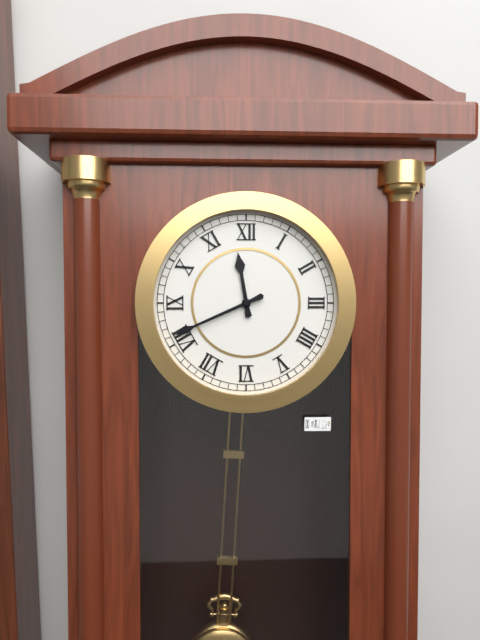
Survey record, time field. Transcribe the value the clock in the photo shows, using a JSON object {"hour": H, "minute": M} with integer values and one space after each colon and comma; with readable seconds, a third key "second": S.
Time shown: {"hour": 11, "minute": 41}
